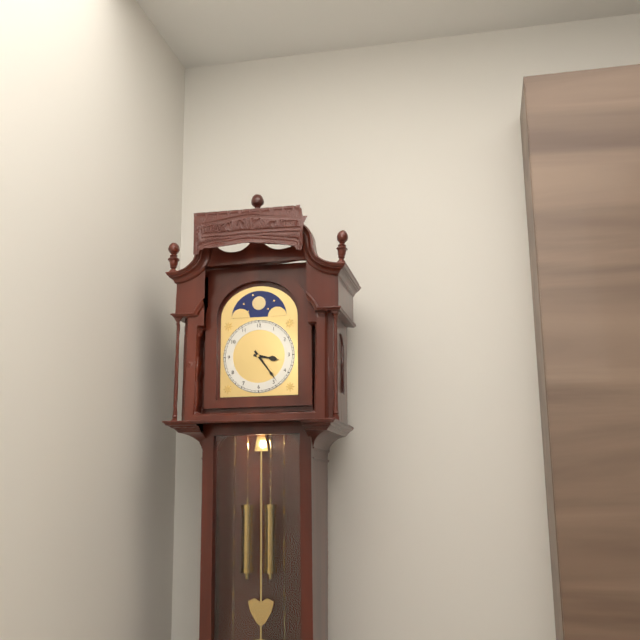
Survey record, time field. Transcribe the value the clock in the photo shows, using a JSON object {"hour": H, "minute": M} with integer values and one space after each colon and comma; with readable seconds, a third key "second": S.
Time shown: {"hour": 3, "minute": 24}
